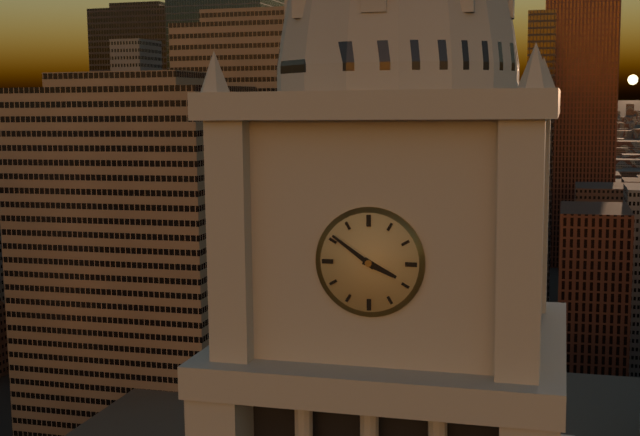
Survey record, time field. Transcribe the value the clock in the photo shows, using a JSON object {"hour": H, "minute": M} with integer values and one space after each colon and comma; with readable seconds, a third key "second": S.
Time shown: {"hour": 3, "minute": 51}
